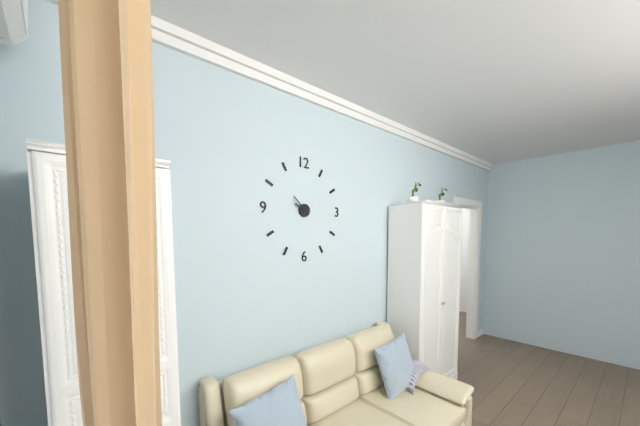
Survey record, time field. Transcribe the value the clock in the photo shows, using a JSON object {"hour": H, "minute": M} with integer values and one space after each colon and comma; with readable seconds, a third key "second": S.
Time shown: {"hour": 9, "minute": 52}
